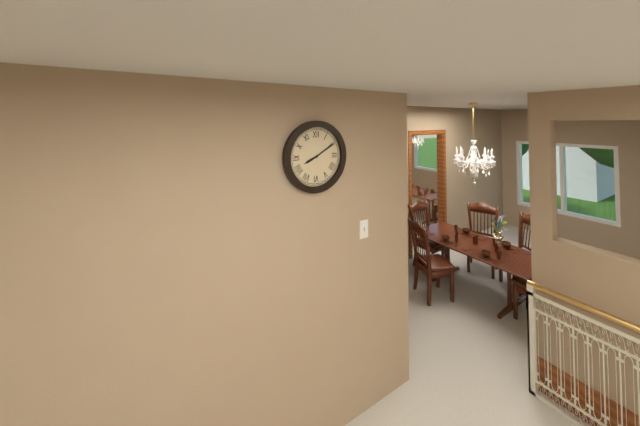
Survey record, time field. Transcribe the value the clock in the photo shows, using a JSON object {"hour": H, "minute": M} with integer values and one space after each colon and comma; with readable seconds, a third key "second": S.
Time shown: {"hour": 8, "minute": 10}
